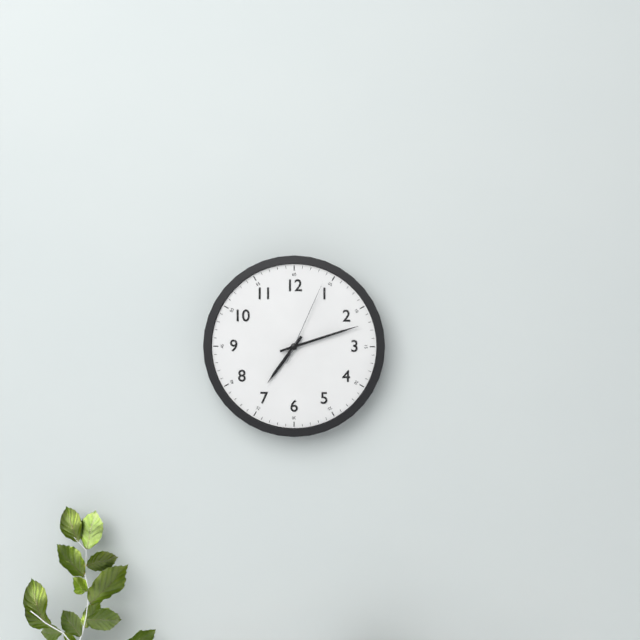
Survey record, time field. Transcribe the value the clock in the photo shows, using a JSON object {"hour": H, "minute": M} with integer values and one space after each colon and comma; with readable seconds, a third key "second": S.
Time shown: {"hour": 7, "minute": 12, "second": 4}
